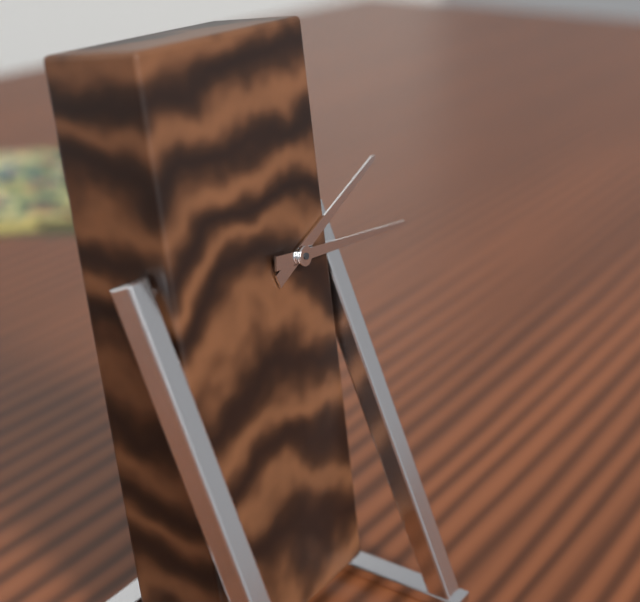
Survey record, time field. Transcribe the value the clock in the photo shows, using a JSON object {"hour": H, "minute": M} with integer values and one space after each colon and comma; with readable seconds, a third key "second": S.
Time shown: {"hour": 2, "minute": 16}
